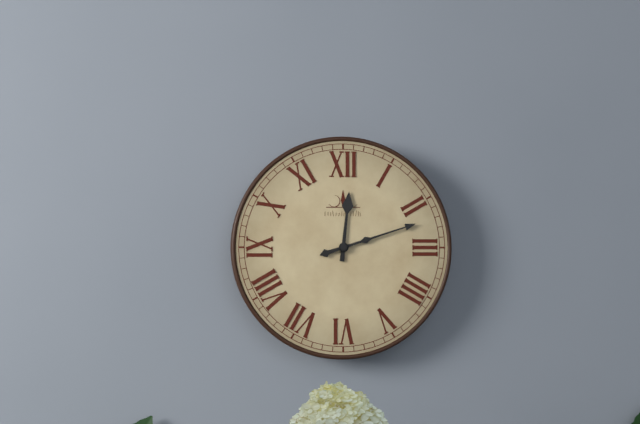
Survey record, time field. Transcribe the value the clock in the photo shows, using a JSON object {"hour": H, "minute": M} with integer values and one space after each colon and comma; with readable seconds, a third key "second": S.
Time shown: {"hour": 12, "minute": 12}
